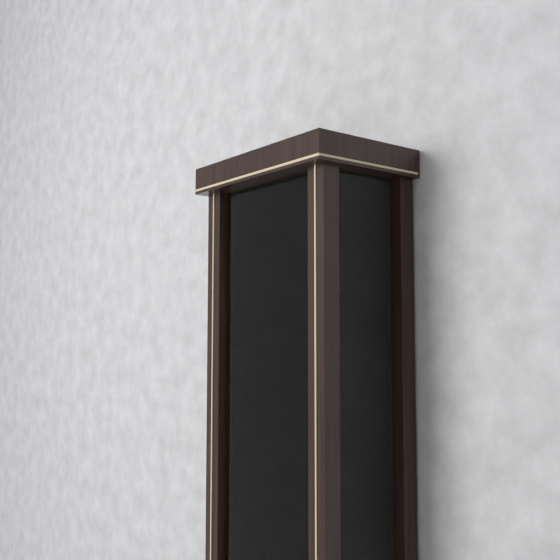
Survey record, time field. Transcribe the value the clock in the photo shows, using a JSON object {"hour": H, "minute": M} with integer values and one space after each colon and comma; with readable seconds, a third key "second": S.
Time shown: {"hour": 12, "minute": 3}
